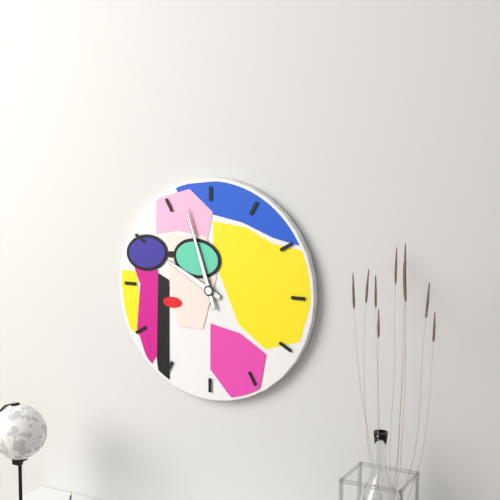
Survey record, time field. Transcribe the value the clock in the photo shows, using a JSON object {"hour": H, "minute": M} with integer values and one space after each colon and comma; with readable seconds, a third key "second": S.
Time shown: {"hour": 9, "minute": 57}
